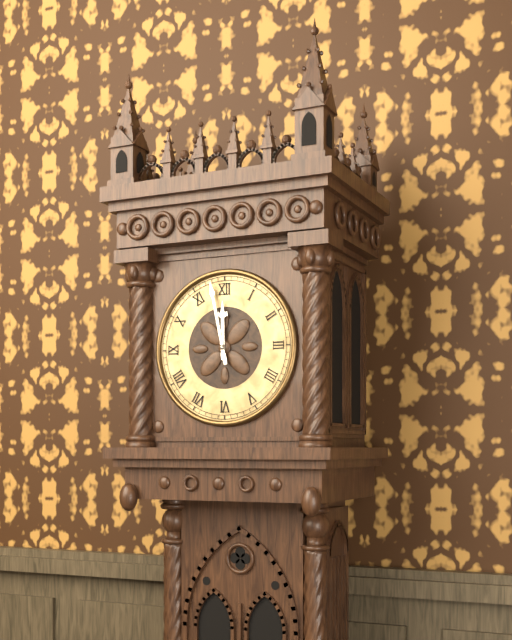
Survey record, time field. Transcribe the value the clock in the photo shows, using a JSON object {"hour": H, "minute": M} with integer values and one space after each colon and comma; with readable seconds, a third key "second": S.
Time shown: {"hour": 11, "minute": 58}
